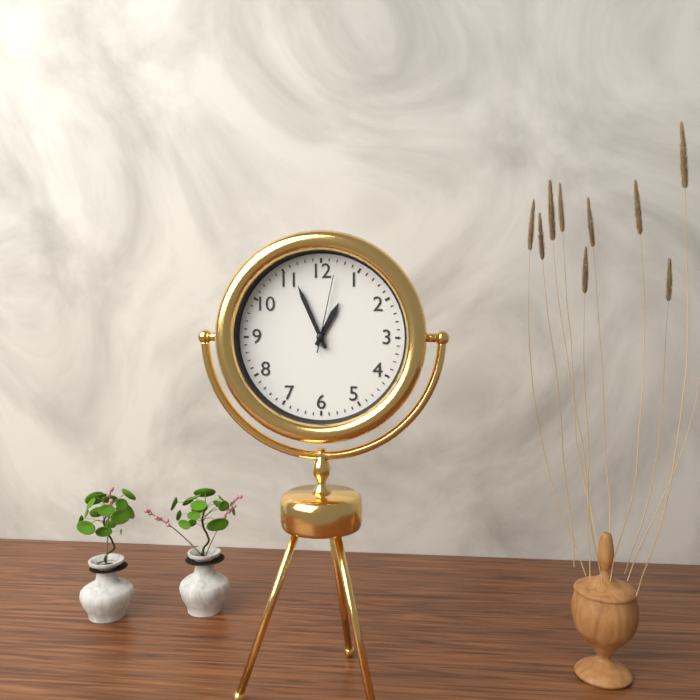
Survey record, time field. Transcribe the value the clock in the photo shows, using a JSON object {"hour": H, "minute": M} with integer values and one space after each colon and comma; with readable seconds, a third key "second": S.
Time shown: {"hour": 12, "minute": 56, "second": 2}
